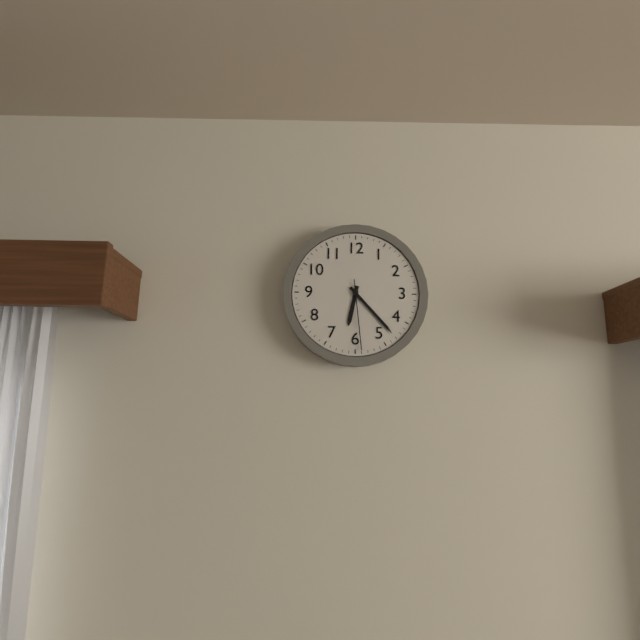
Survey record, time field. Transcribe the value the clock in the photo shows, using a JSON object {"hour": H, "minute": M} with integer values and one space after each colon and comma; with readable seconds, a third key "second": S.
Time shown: {"hour": 6, "minute": 23, "second": 29}
